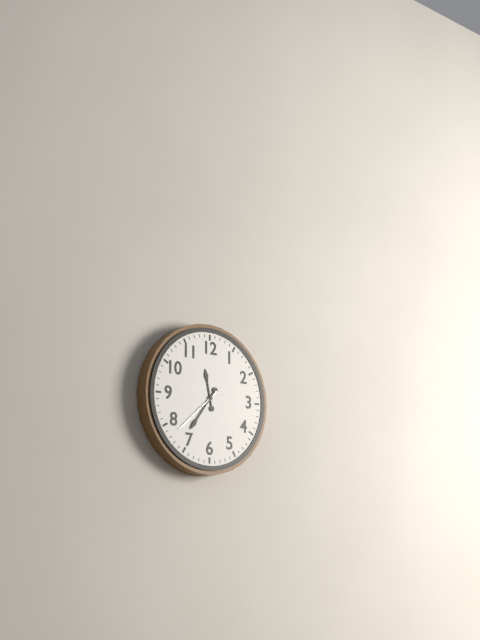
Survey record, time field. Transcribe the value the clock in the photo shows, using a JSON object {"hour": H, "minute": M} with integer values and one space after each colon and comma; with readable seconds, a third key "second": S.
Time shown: {"hour": 11, "minute": 36, "second": 38}
